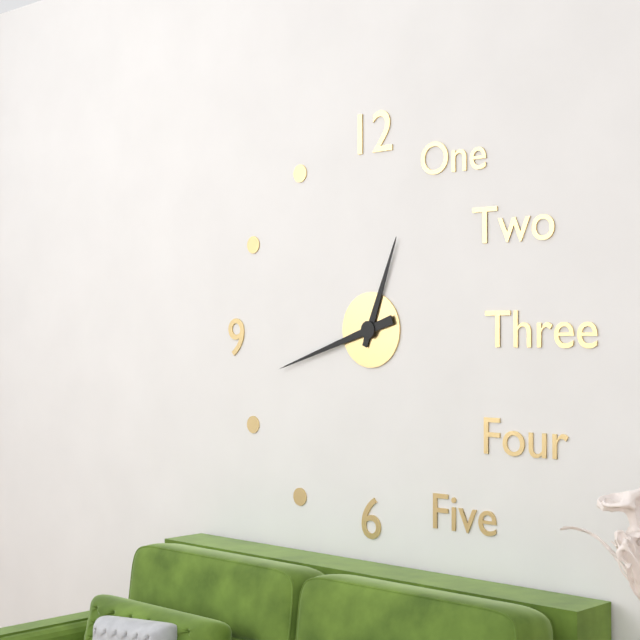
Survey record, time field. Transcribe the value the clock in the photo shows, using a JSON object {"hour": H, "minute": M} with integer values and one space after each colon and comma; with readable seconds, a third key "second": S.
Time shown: {"hour": 12, "minute": 42}
